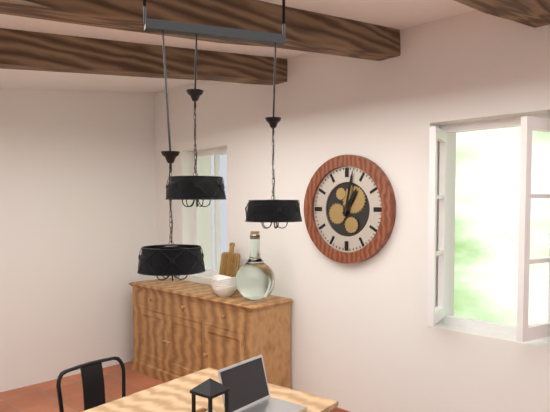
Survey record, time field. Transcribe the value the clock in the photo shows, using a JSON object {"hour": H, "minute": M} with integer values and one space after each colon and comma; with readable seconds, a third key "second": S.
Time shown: {"hour": 1, "minute": 2}
